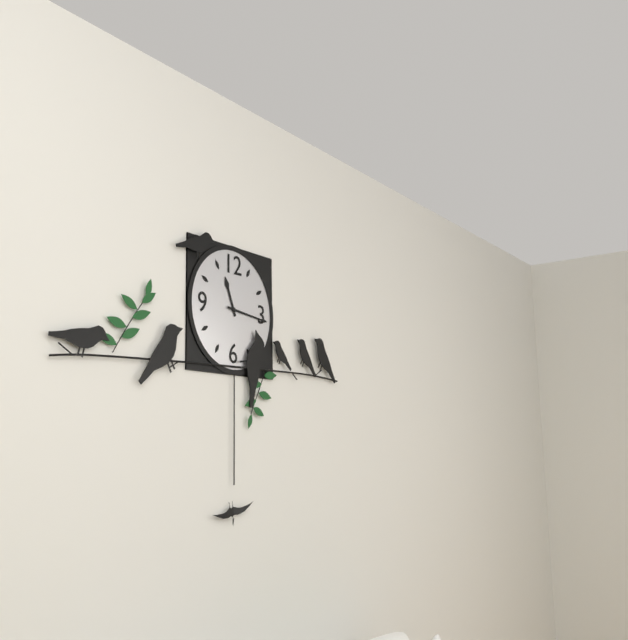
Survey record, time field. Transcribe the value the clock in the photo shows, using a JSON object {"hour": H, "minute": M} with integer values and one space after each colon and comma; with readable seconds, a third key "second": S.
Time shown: {"hour": 11, "minute": 16}
